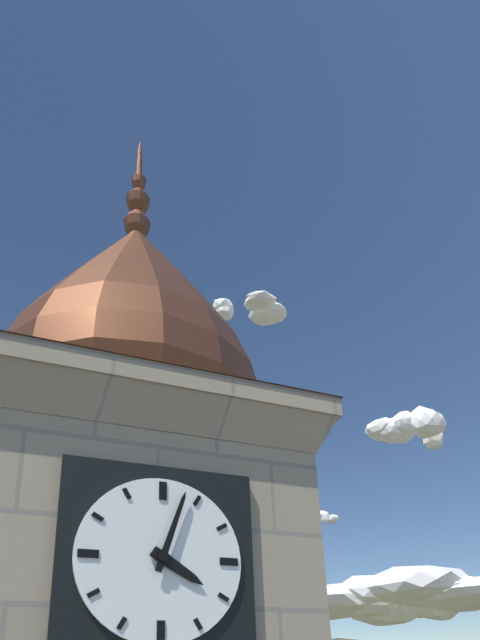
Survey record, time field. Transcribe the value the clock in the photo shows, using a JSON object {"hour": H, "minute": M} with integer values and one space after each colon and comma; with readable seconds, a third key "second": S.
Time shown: {"hour": 4, "minute": 3}
